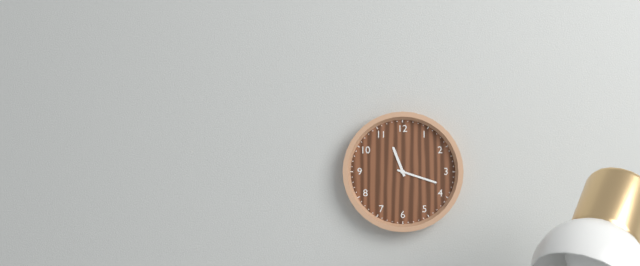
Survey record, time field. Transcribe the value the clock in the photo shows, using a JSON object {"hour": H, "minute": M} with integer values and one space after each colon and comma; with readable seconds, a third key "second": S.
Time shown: {"hour": 11, "minute": 18}
